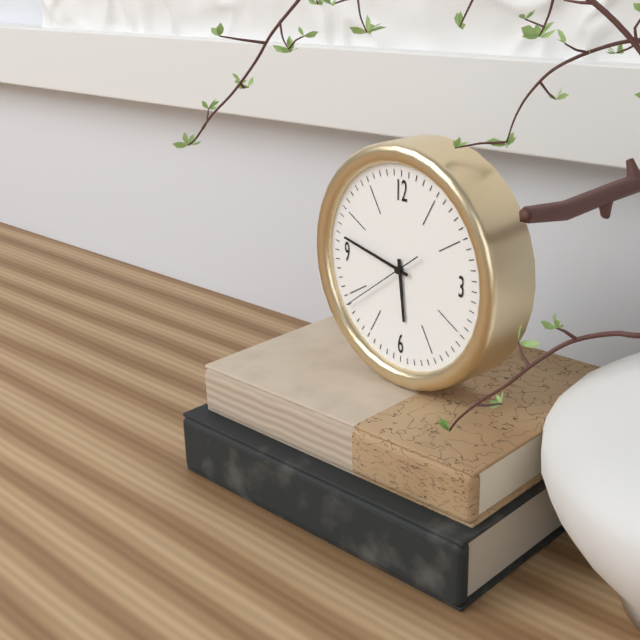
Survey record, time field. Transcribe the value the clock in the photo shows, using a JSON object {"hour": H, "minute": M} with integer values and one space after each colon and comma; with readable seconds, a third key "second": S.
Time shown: {"hour": 5, "minute": 47, "second": 39}
